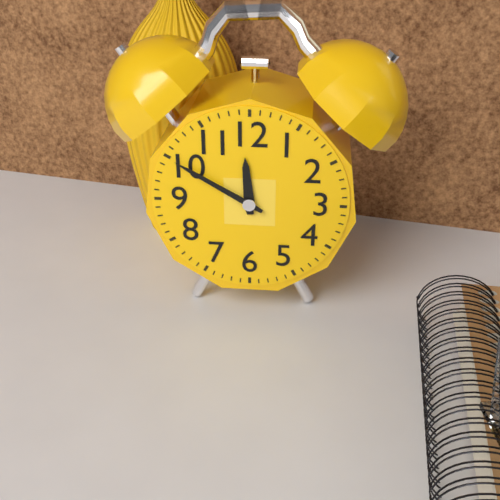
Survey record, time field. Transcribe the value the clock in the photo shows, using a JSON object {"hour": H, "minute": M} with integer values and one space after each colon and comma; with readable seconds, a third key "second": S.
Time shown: {"hour": 11, "minute": 50}
